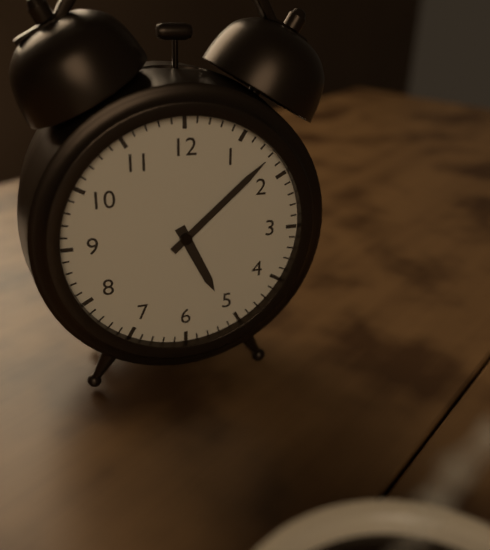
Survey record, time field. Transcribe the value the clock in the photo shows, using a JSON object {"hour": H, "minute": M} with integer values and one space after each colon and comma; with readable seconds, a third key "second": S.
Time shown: {"hour": 5, "minute": 8}
